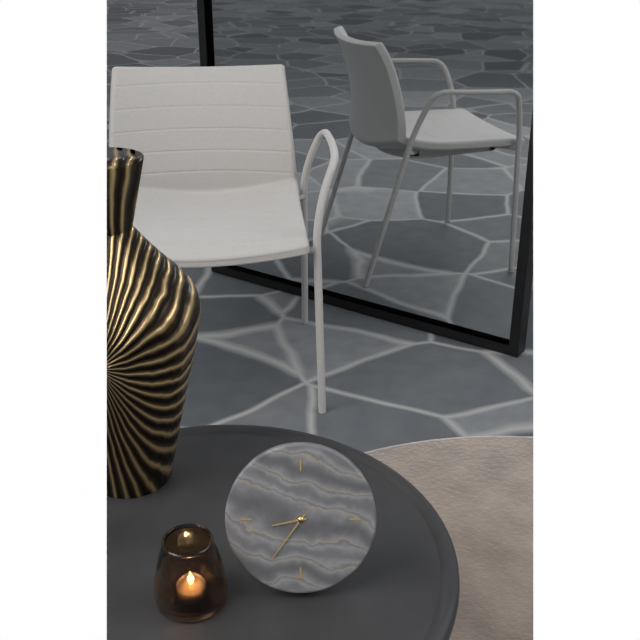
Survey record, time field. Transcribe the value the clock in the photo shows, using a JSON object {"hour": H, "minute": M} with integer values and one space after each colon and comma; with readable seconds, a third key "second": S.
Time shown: {"hour": 8, "minute": 36}
